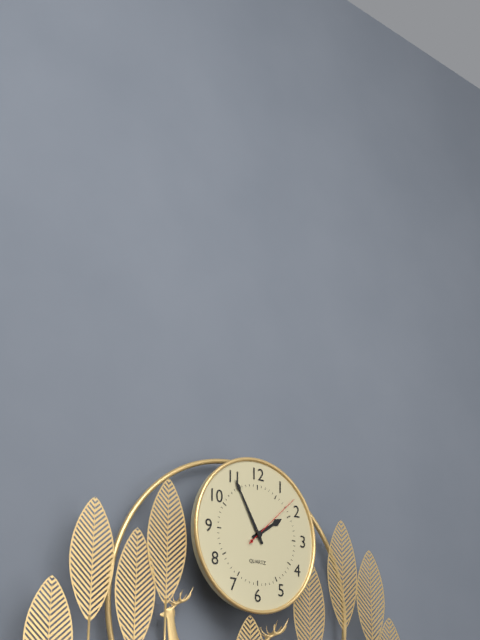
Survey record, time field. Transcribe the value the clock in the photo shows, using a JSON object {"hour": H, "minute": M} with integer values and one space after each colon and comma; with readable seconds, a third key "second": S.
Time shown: {"hour": 1, "minute": 55, "second": 8}
